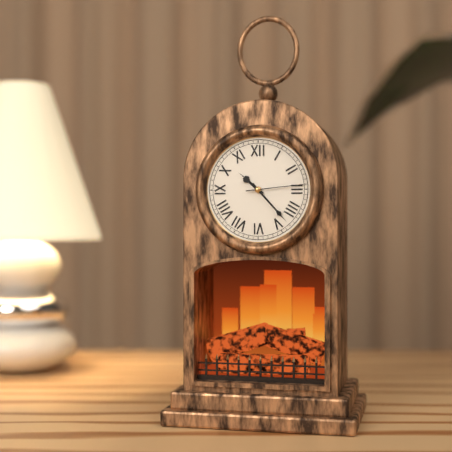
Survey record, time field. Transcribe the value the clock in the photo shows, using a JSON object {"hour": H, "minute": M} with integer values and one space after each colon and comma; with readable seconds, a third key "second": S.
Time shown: {"hour": 10, "minute": 23}
